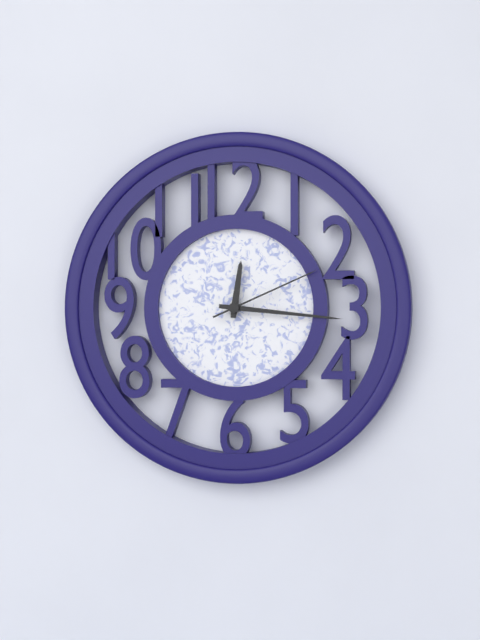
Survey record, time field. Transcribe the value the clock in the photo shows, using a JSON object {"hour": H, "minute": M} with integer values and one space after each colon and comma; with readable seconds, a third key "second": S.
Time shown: {"hour": 12, "minute": 16, "second": 11}
